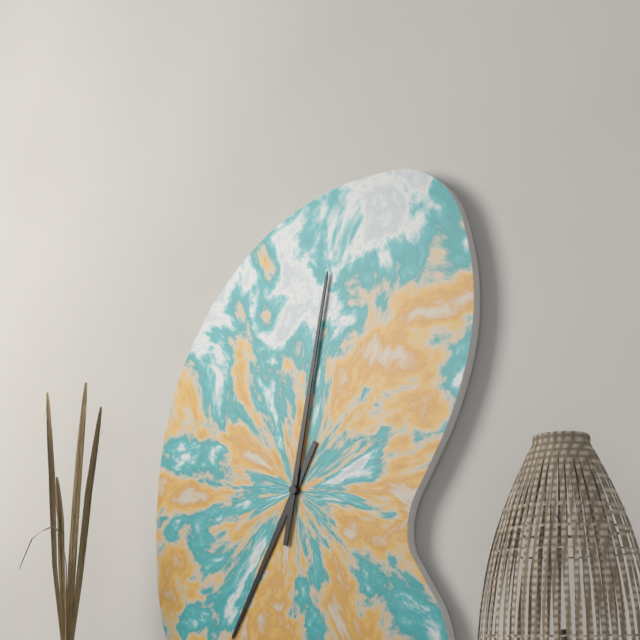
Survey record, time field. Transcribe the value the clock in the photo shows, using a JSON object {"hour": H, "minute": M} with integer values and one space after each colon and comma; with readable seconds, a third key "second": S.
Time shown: {"hour": 7, "minute": 2}
